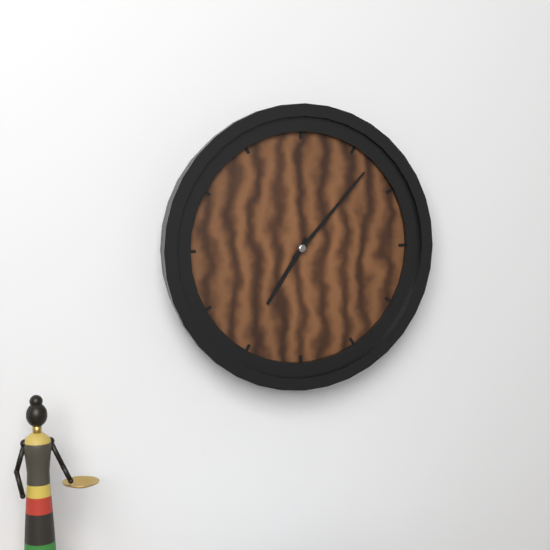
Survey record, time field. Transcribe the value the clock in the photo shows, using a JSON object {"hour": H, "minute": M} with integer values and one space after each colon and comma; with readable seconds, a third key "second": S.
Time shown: {"hour": 7, "minute": 7}
